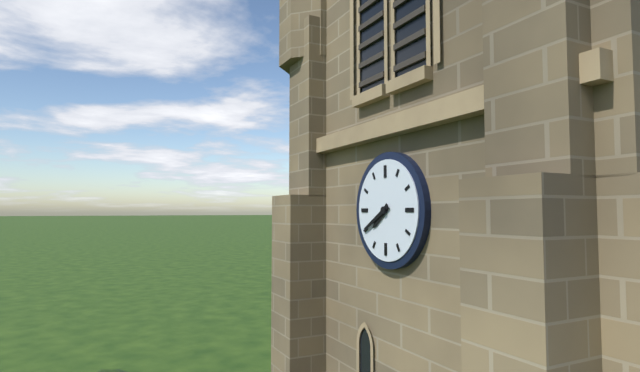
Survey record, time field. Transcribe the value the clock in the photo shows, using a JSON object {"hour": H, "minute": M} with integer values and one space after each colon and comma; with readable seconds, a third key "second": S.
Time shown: {"hour": 7, "minute": 40}
